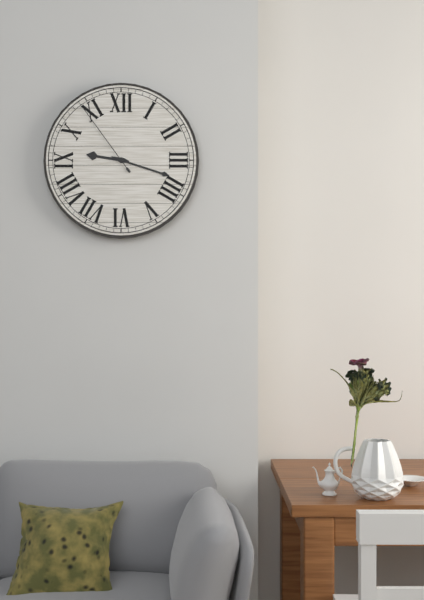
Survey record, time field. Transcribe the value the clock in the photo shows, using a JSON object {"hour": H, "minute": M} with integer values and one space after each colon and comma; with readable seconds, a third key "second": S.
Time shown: {"hour": 9, "minute": 18, "second": 54}
